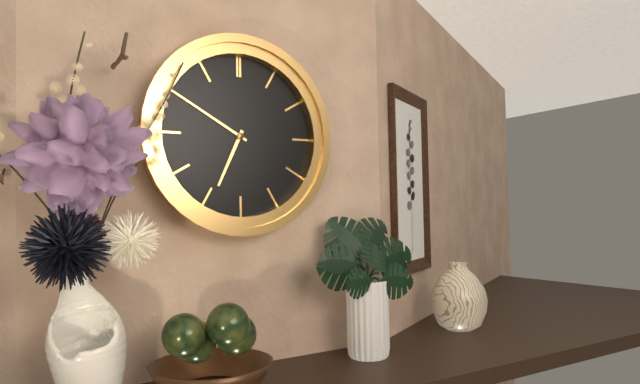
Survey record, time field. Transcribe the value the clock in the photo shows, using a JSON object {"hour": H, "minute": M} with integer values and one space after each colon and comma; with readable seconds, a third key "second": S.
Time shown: {"hour": 6, "minute": 50}
